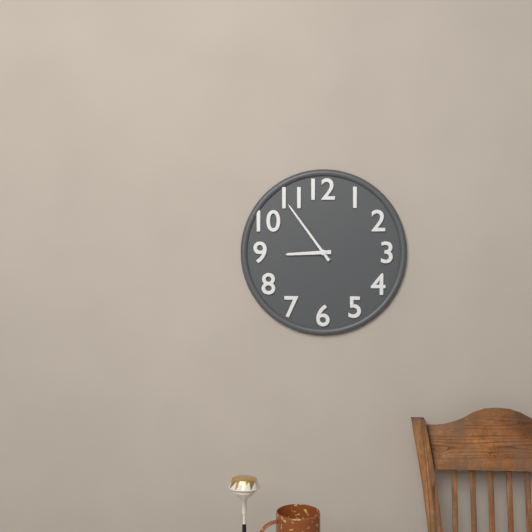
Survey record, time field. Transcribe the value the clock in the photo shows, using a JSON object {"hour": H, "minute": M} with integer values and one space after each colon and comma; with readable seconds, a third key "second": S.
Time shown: {"hour": 8, "minute": 54}
